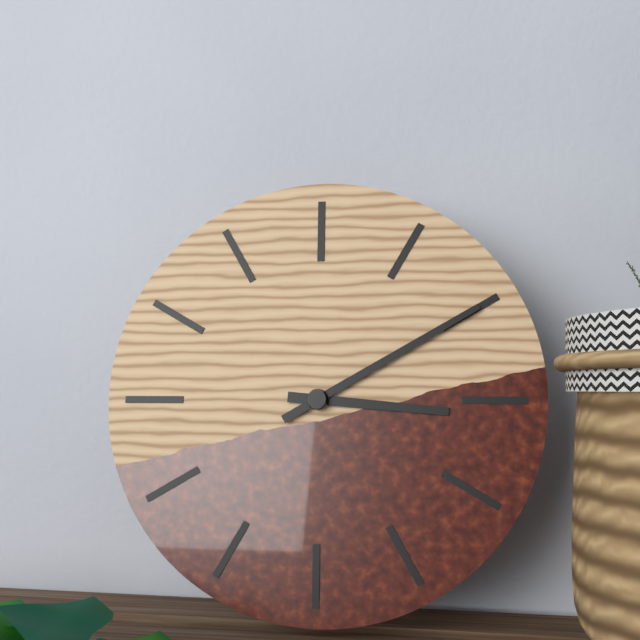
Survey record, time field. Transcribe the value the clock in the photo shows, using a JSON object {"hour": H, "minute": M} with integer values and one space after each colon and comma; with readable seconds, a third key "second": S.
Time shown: {"hour": 3, "minute": 10}
